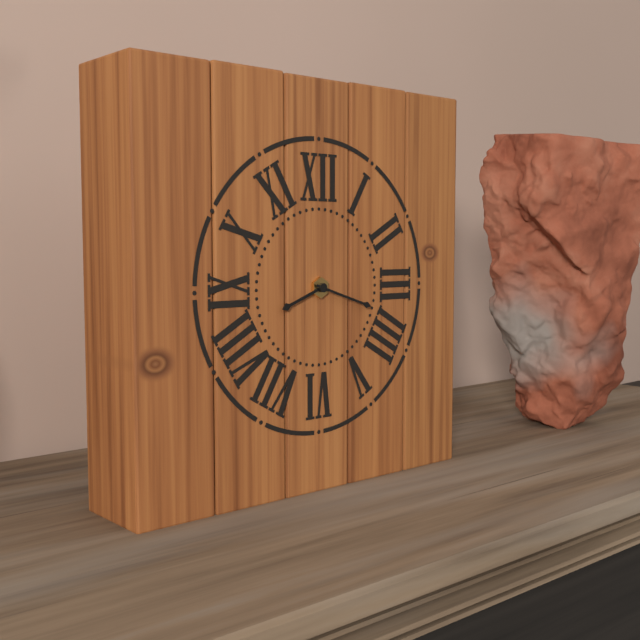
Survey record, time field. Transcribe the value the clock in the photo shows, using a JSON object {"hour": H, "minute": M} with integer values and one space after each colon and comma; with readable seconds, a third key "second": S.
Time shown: {"hour": 8, "minute": 18}
